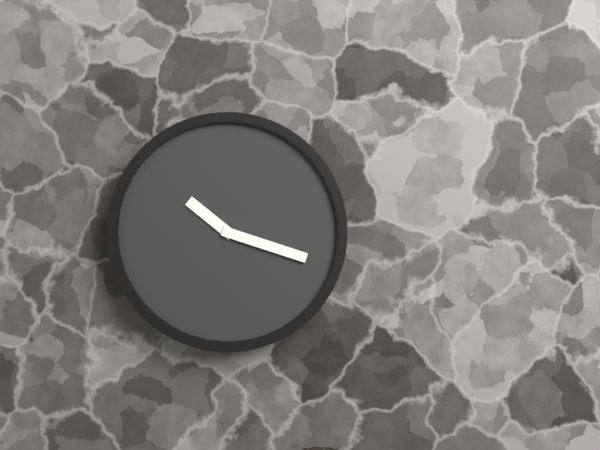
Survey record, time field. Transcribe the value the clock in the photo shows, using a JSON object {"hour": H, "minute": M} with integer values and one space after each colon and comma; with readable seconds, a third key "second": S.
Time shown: {"hour": 10, "minute": 18}
